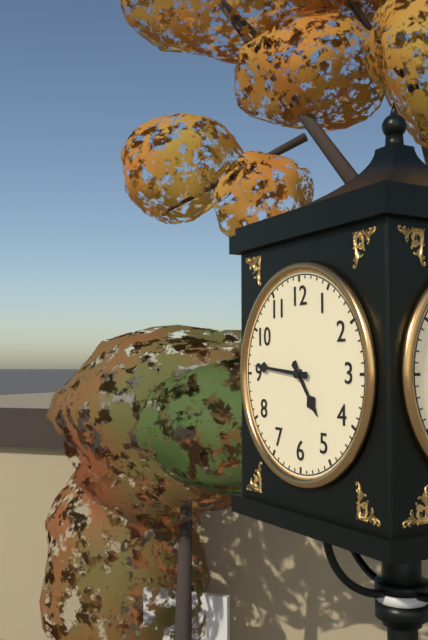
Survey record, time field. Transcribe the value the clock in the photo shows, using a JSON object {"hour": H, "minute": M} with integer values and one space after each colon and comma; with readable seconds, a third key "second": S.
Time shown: {"hour": 4, "minute": 46}
